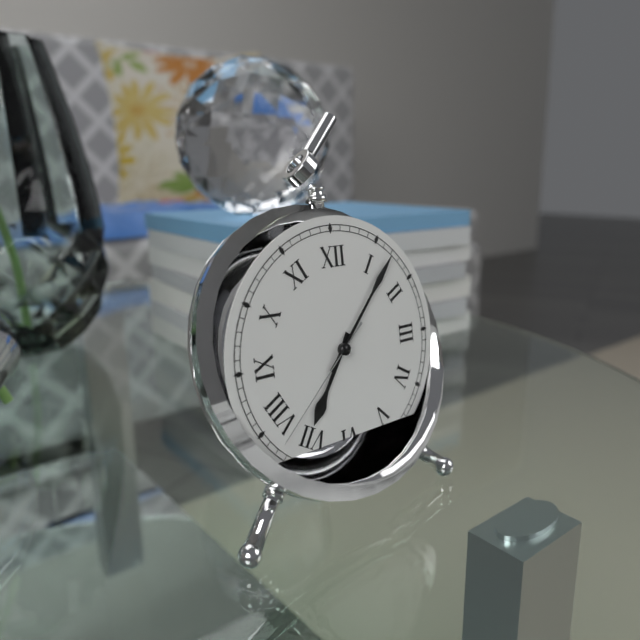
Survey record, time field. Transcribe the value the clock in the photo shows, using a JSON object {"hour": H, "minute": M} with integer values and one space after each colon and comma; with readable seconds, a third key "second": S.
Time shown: {"hour": 7, "minute": 7, "second": 38}
